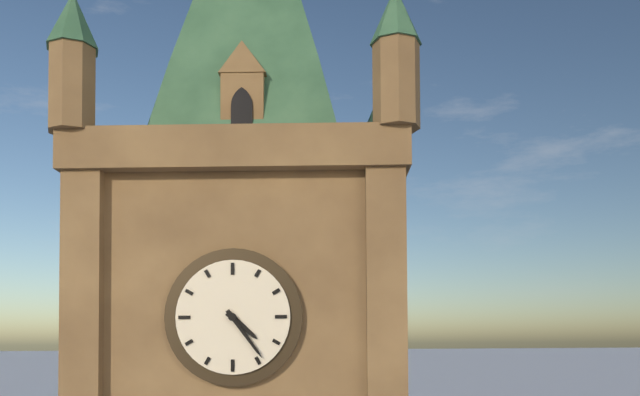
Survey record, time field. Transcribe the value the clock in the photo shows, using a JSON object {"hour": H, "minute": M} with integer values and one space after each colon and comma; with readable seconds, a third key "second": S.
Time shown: {"hour": 4, "minute": 24}
